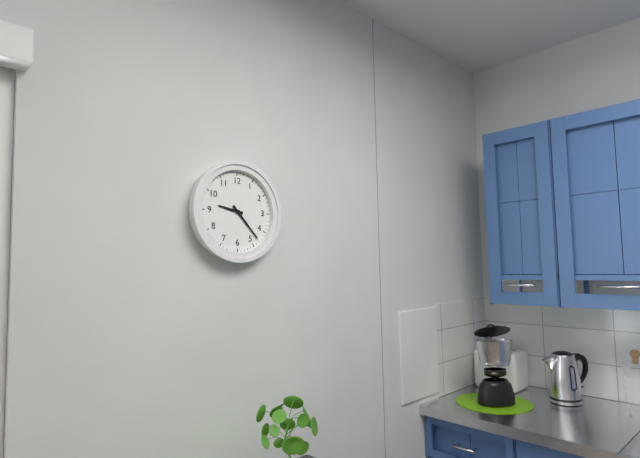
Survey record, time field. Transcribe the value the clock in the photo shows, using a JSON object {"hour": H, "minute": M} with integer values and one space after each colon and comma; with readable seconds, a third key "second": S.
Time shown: {"hour": 9, "minute": 23}
